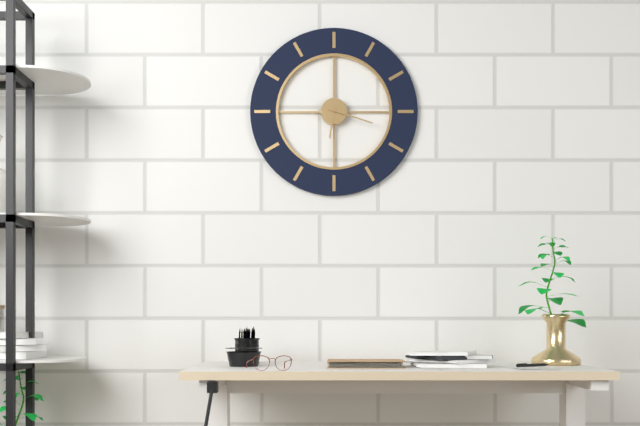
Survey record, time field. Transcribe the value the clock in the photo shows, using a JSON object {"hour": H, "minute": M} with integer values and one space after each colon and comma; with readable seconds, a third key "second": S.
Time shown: {"hour": 6, "minute": 18}
